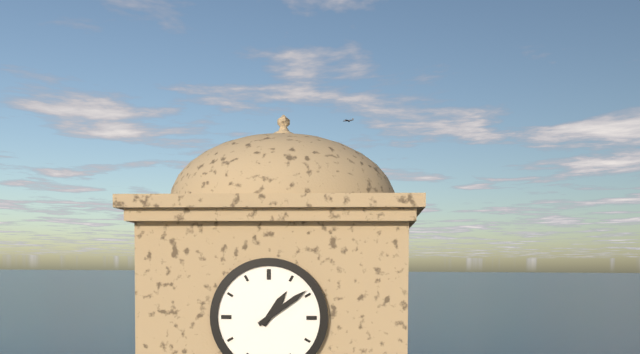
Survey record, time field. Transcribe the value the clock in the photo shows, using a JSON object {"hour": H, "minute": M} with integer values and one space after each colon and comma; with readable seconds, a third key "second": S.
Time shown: {"hour": 1, "minute": 9}
